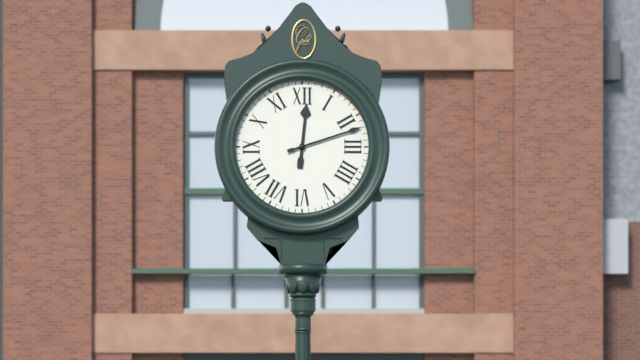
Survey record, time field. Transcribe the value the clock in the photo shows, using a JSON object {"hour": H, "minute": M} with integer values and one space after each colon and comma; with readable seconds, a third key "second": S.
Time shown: {"hour": 12, "minute": 12}
